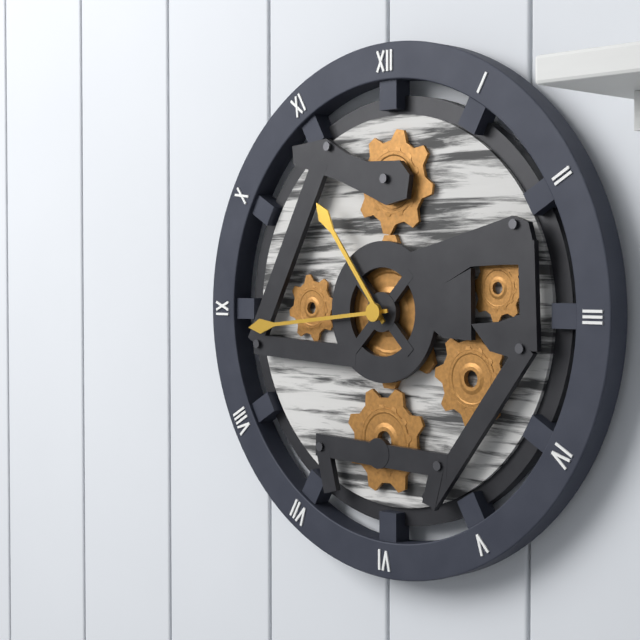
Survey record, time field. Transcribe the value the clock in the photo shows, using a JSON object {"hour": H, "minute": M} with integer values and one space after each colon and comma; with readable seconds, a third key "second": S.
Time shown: {"hour": 10, "minute": 44}
